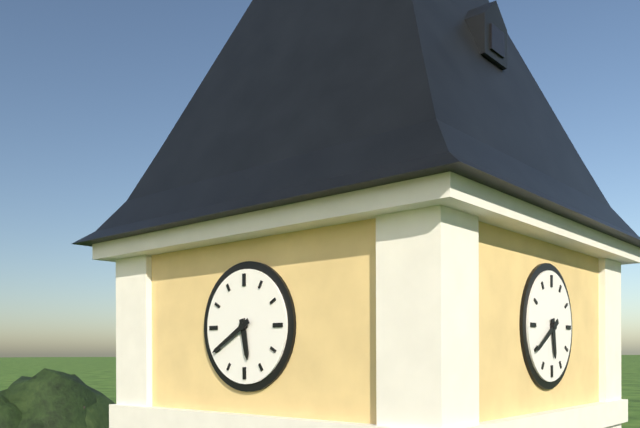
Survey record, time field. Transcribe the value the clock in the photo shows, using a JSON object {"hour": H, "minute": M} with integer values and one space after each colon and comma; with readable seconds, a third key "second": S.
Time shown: {"hour": 5, "minute": 40}
